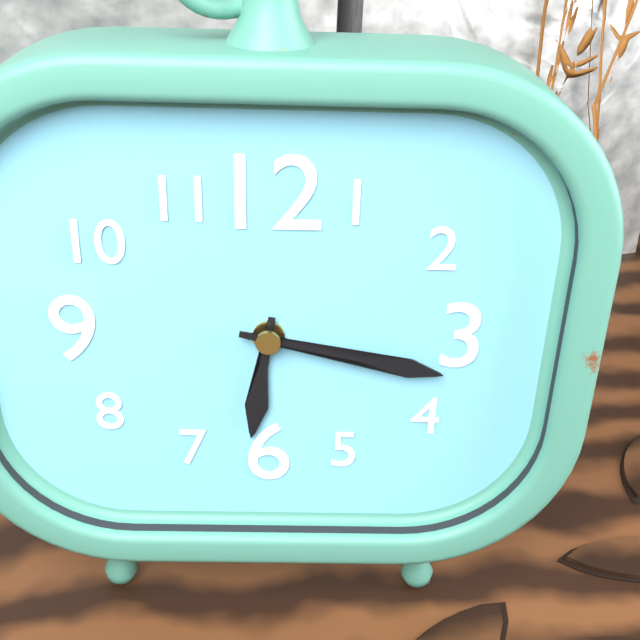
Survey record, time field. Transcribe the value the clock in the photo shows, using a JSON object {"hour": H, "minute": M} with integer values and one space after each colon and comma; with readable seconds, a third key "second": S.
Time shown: {"hour": 6, "minute": 17}
